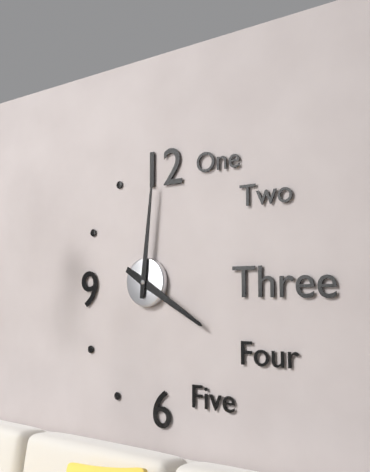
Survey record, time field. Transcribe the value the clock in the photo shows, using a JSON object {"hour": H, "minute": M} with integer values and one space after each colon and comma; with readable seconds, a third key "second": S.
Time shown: {"hour": 4, "minute": 1}
